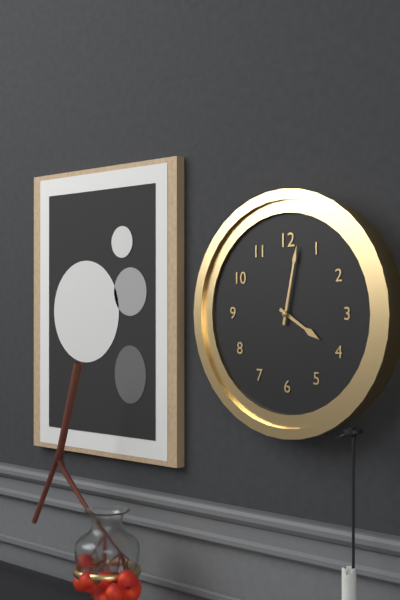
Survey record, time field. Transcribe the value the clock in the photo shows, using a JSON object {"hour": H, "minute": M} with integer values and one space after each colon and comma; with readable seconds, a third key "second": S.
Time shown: {"hour": 4, "minute": 2}
